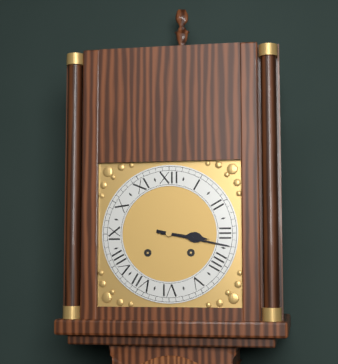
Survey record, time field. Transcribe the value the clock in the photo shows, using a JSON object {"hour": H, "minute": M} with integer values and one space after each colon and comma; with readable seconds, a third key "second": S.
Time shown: {"hour": 3, "minute": 17}
